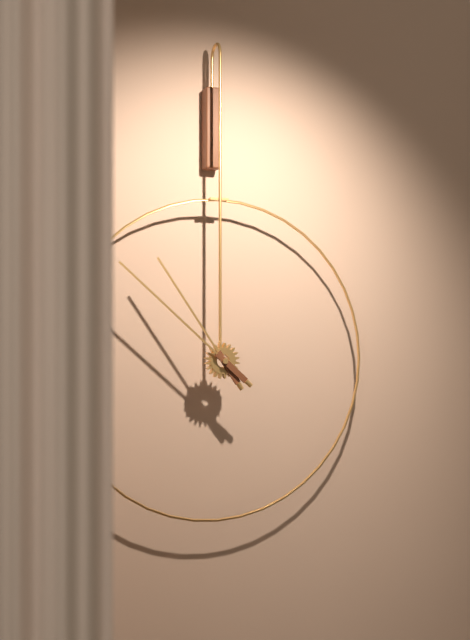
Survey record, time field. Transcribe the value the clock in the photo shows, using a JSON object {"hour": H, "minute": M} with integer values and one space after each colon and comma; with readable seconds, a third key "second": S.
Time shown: {"hour": 10, "minute": 52}
